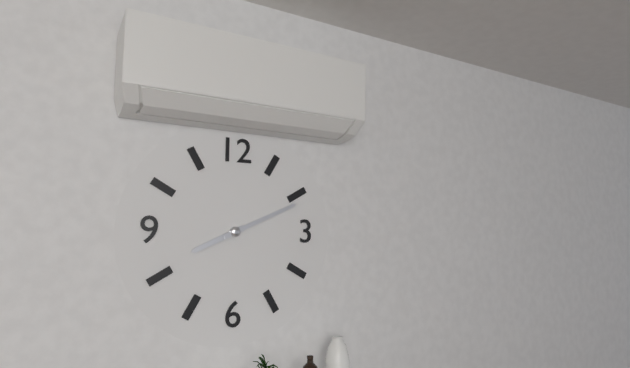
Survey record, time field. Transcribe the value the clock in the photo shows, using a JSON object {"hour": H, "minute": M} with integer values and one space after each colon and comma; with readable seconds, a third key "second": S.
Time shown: {"hour": 8, "minute": 11}
